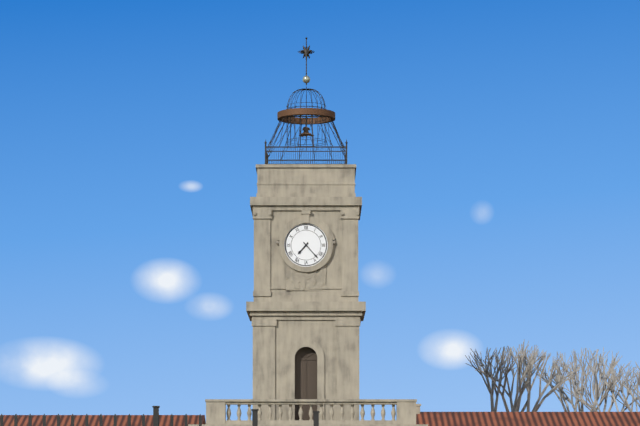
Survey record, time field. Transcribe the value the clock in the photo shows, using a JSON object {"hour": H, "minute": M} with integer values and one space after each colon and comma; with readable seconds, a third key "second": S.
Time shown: {"hour": 7, "minute": 23}
